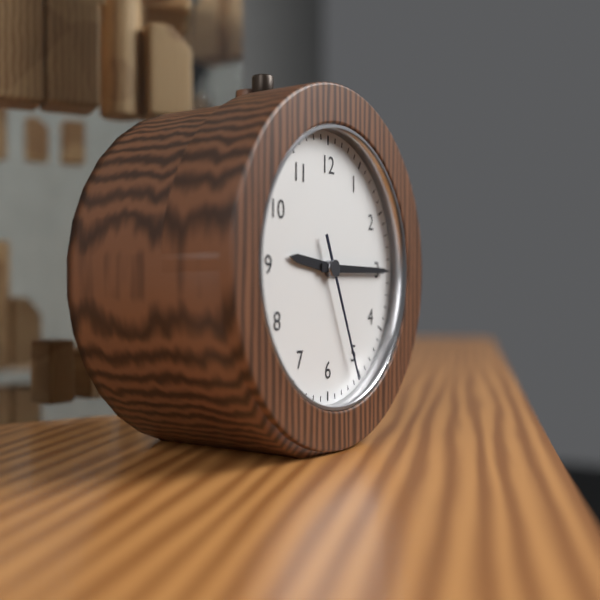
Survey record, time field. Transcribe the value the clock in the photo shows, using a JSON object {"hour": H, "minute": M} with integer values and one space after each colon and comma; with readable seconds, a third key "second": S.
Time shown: {"hour": 9, "minute": 15, "second": 26}
